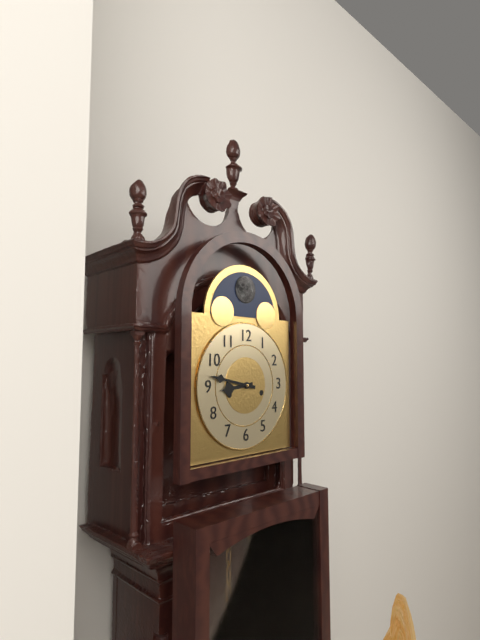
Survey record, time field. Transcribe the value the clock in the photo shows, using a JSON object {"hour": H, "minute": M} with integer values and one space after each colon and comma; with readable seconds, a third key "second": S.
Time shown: {"hour": 8, "minute": 47}
